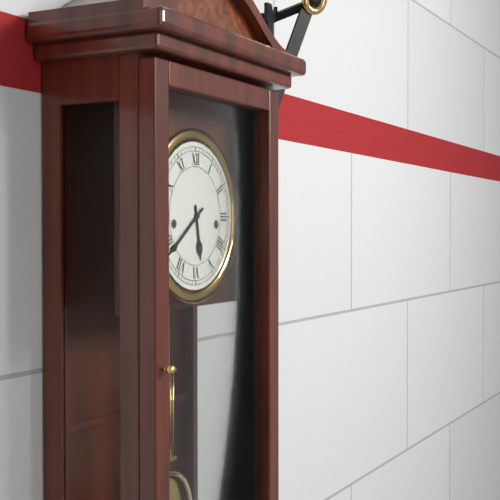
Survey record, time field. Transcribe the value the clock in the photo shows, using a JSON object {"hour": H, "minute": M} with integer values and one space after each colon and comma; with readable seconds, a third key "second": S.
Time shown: {"hour": 5, "minute": 39}
